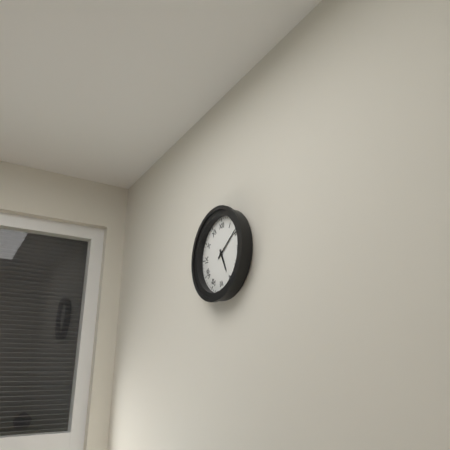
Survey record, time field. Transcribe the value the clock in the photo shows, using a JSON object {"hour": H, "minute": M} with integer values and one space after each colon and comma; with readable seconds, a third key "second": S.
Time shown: {"hour": 5, "minute": 9}
